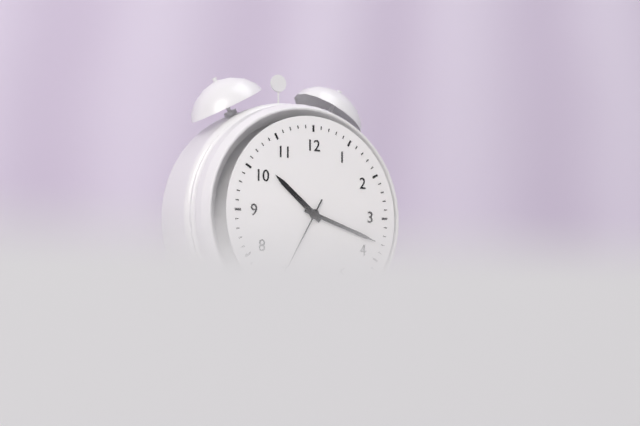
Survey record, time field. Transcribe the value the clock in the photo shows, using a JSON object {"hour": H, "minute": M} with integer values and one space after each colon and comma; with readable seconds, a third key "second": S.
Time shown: {"hour": 10, "minute": 18}
